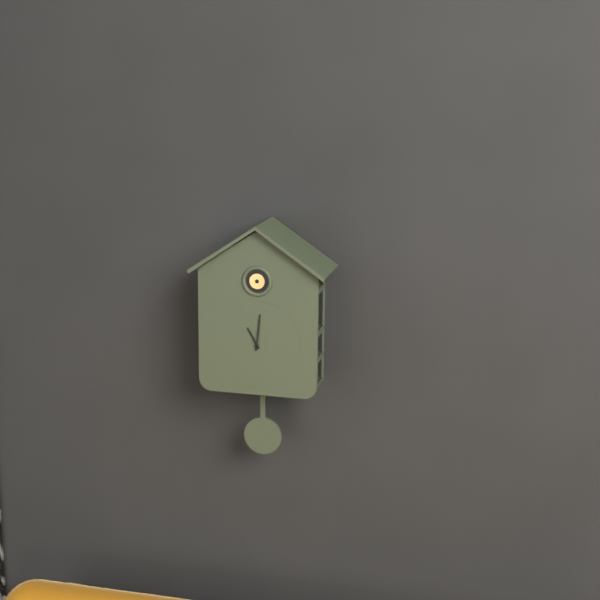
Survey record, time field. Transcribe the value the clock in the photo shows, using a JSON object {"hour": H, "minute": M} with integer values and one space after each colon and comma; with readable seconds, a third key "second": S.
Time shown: {"hour": 11, "minute": 1}
